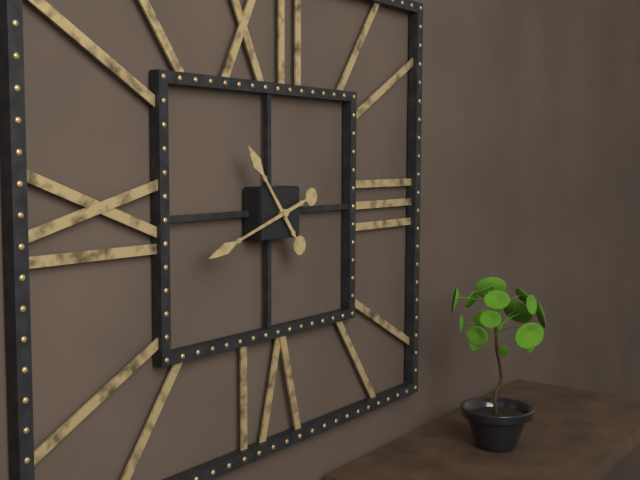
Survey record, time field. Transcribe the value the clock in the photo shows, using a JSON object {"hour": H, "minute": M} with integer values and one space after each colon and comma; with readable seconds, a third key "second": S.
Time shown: {"hour": 10, "minute": 42}
